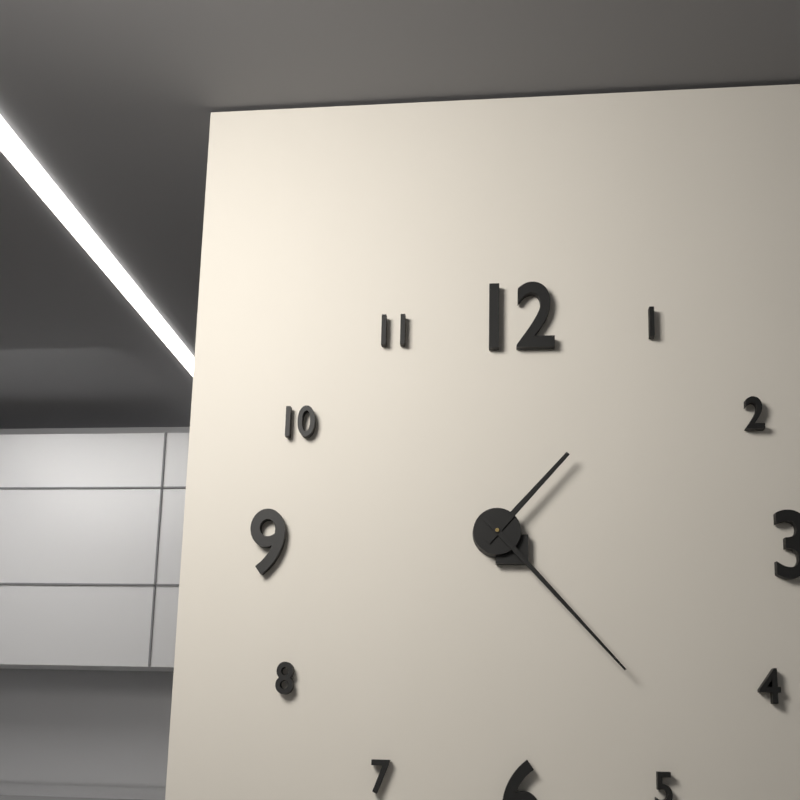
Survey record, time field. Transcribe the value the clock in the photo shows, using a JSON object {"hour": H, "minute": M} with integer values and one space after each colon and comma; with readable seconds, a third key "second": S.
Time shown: {"hour": 1, "minute": 23}
